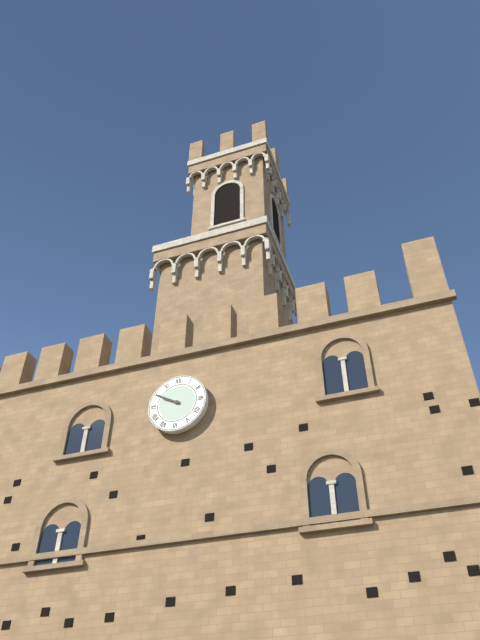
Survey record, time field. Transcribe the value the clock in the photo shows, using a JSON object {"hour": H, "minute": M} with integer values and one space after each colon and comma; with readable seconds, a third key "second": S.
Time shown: {"hour": 9, "minute": 50}
